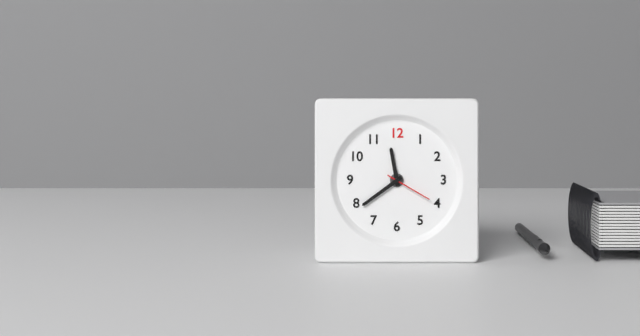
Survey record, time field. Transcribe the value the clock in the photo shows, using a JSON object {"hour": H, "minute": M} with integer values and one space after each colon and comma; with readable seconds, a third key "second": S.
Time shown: {"hour": 11, "minute": 39}
